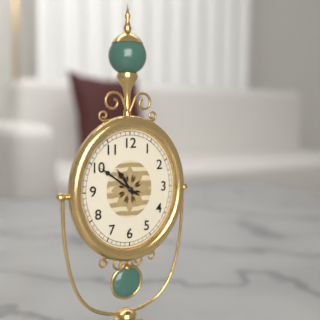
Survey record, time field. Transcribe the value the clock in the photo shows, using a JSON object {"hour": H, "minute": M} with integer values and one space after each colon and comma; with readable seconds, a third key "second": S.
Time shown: {"hour": 10, "minute": 51}
